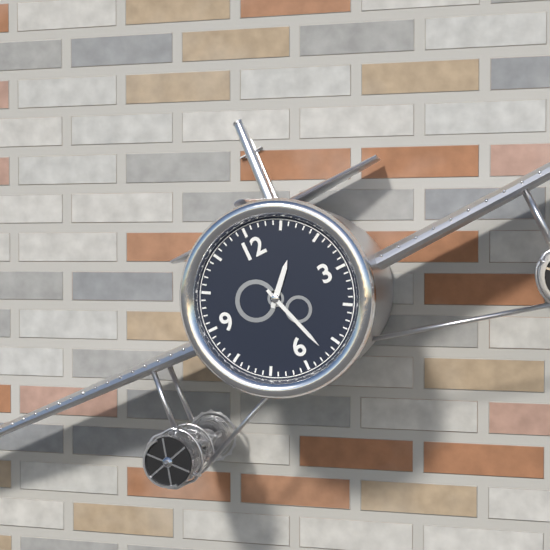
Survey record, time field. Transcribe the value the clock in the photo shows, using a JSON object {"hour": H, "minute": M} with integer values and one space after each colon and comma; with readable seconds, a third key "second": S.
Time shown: {"hour": 1, "minute": 27}
